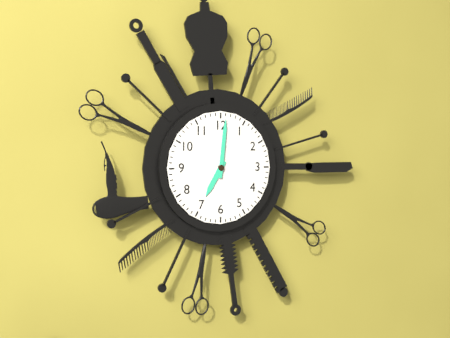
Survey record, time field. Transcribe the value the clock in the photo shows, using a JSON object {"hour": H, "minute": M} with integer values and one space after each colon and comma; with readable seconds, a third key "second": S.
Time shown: {"hour": 7, "minute": 1}
